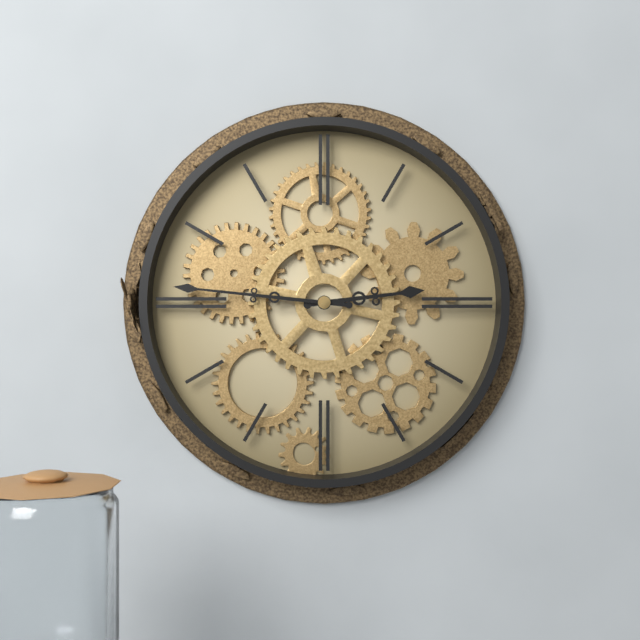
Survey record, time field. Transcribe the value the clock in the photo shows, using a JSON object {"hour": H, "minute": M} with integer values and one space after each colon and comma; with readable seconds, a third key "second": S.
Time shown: {"hour": 2, "minute": 46}
